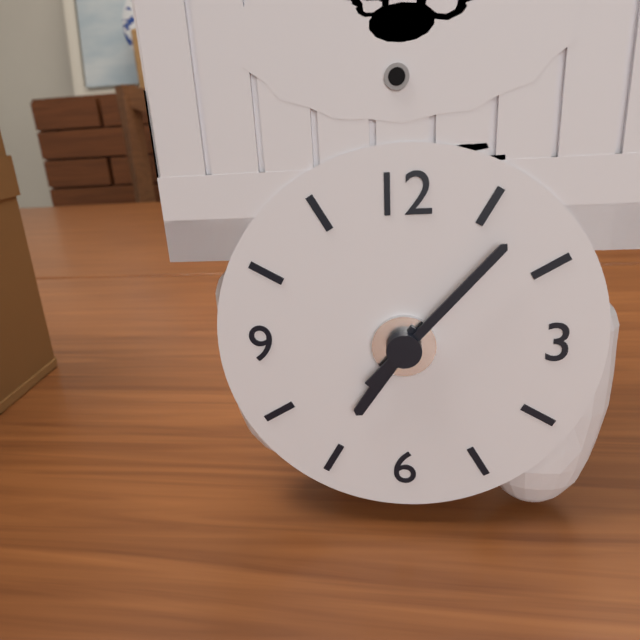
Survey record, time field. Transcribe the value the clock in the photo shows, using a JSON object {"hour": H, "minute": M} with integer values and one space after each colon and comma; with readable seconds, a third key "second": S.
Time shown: {"hour": 7, "minute": 7}
